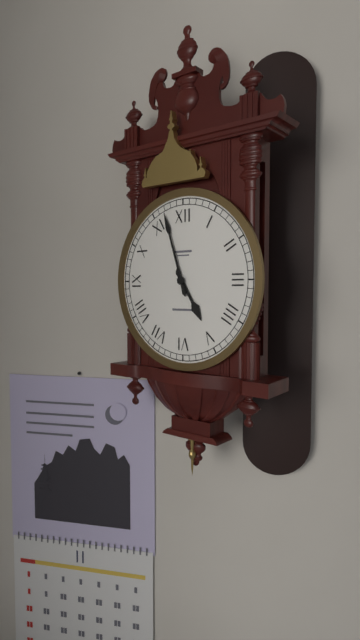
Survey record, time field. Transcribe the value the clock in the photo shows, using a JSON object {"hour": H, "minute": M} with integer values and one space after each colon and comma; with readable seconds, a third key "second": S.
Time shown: {"hour": 4, "minute": 57}
